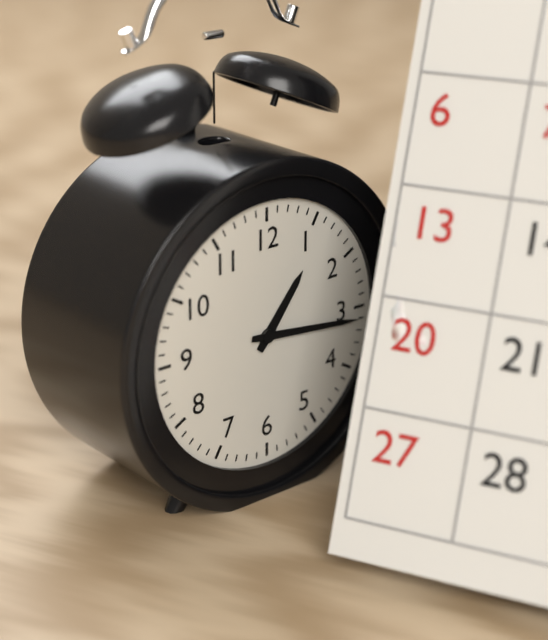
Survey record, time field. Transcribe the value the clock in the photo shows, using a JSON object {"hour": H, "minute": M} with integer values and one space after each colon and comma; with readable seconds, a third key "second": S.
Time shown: {"hour": 1, "minute": 16}
